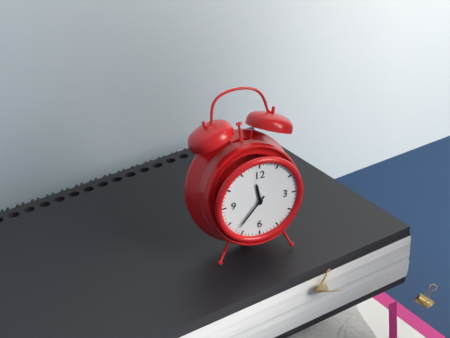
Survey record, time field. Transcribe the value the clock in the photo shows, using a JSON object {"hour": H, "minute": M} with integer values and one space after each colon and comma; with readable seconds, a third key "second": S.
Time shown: {"hour": 11, "minute": 37}
